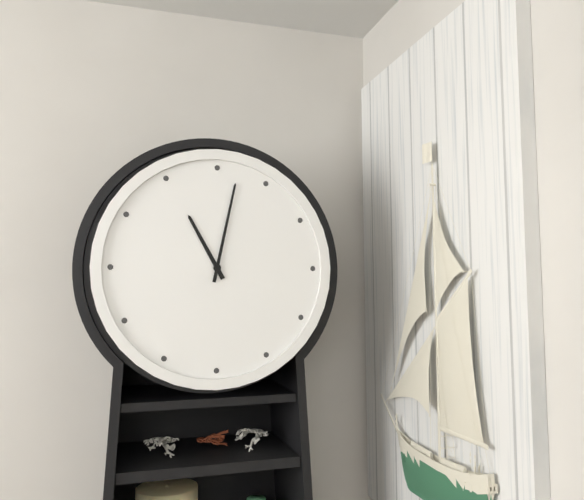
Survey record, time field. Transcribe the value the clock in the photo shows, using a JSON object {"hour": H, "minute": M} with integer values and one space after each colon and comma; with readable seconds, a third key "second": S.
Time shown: {"hour": 11, "minute": 2}
